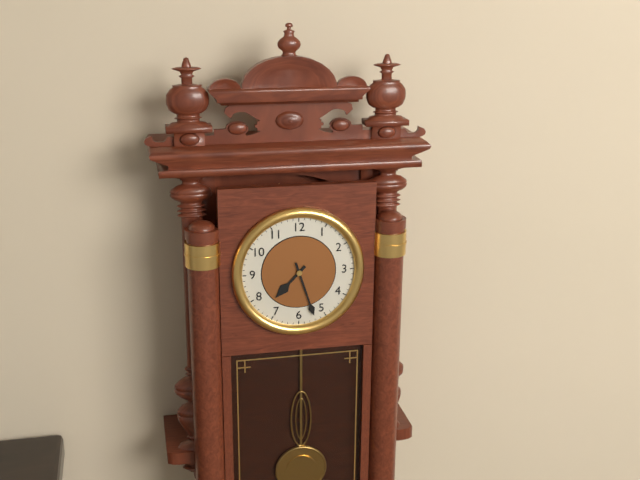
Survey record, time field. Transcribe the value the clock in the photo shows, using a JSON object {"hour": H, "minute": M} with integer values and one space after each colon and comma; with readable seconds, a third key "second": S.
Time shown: {"hour": 7, "minute": 27}
